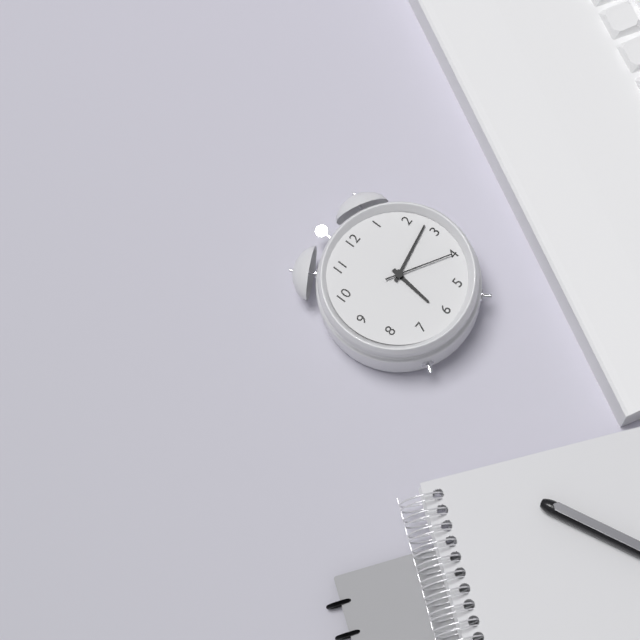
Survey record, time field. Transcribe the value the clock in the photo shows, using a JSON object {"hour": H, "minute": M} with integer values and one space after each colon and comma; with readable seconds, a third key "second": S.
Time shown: {"hour": 6, "minute": 13, "second": 20}
